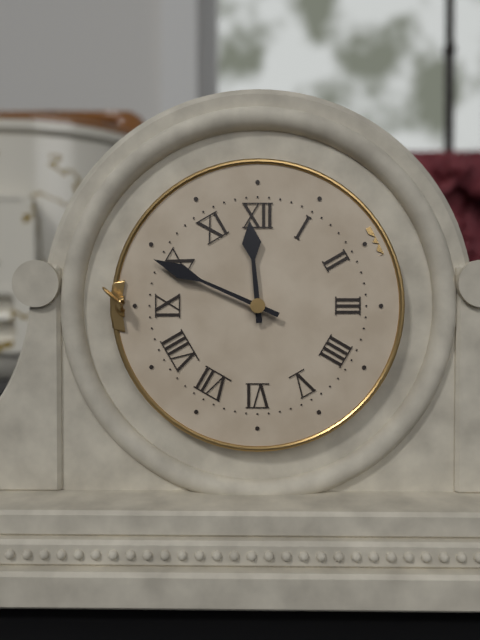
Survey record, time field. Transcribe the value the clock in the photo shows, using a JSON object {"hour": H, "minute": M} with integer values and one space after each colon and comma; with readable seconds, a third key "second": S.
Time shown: {"hour": 11, "minute": 49}
